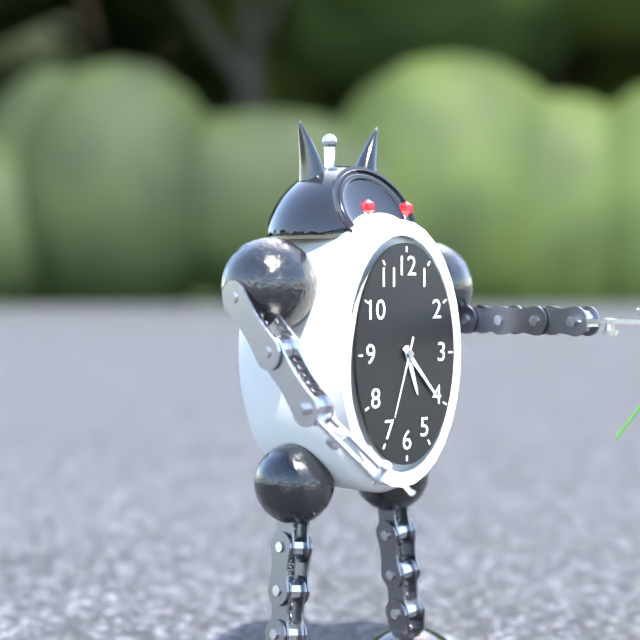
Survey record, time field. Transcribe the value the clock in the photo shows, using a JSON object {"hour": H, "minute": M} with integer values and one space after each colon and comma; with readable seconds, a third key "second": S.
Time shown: {"hour": 5, "minute": 23, "second": 33}
